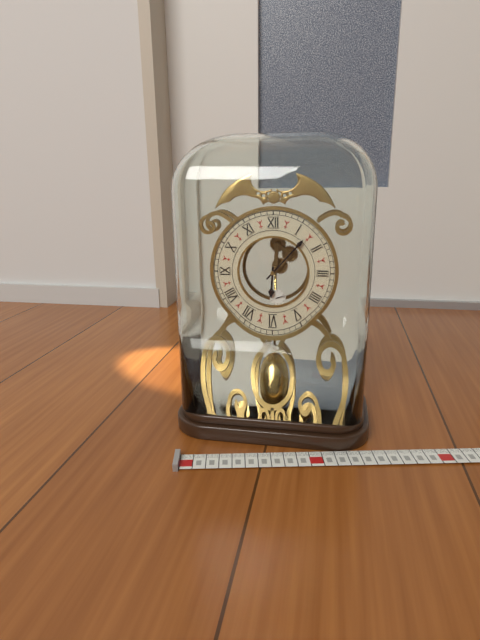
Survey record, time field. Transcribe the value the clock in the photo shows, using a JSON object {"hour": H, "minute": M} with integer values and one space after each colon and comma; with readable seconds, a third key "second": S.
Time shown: {"hour": 6, "minute": 7}
